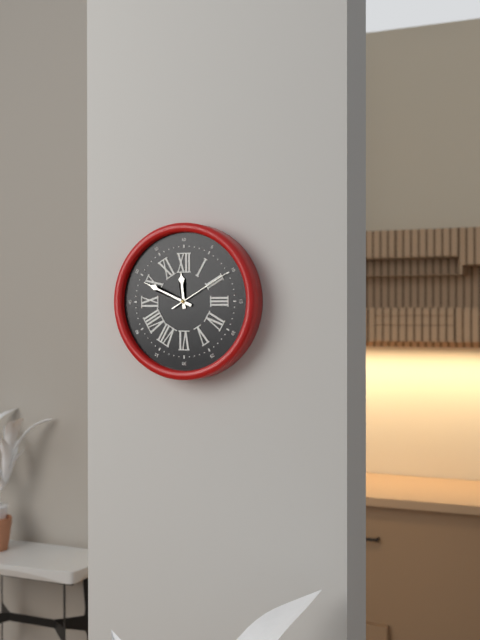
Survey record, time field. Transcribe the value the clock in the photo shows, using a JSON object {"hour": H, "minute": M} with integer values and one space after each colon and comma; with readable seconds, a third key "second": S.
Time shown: {"hour": 11, "minute": 49, "second": 10}
